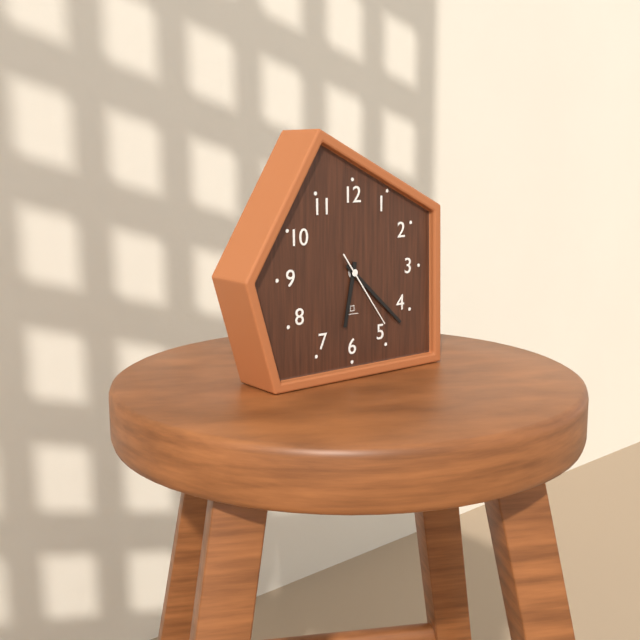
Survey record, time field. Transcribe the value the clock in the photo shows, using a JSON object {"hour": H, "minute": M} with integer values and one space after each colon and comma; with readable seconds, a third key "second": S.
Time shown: {"hour": 6, "minute": 22, "second": 24}
